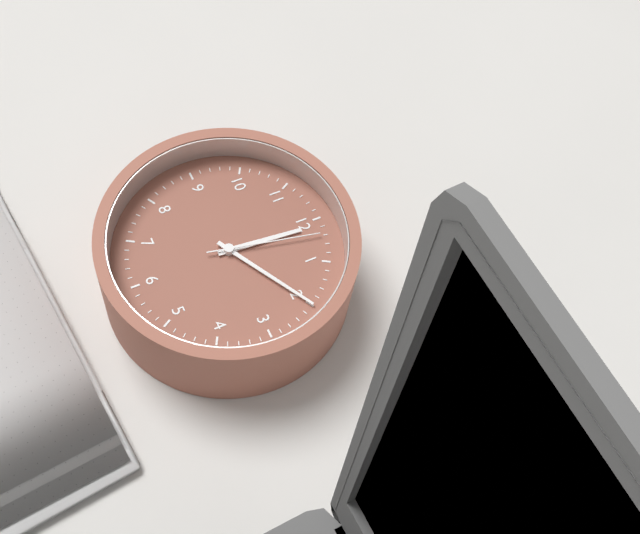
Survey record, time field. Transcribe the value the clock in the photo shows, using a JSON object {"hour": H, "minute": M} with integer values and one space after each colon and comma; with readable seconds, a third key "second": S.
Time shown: {"hour": 12, "minute": 10, "second": 2}
